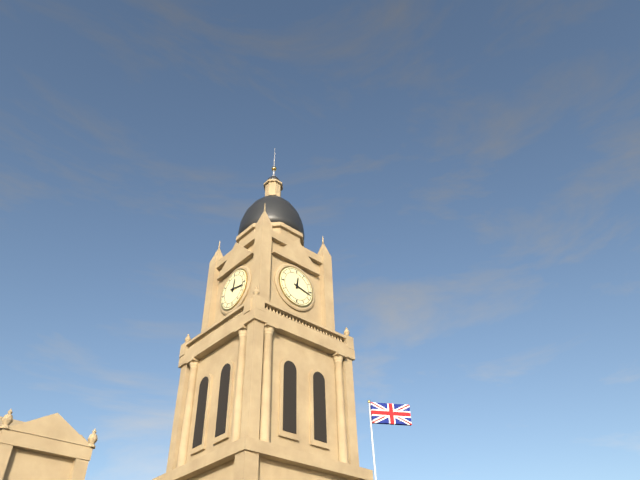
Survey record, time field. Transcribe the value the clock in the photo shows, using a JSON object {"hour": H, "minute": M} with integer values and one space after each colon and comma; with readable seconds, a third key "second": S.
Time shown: {"hour": 12, "minute": 17}
